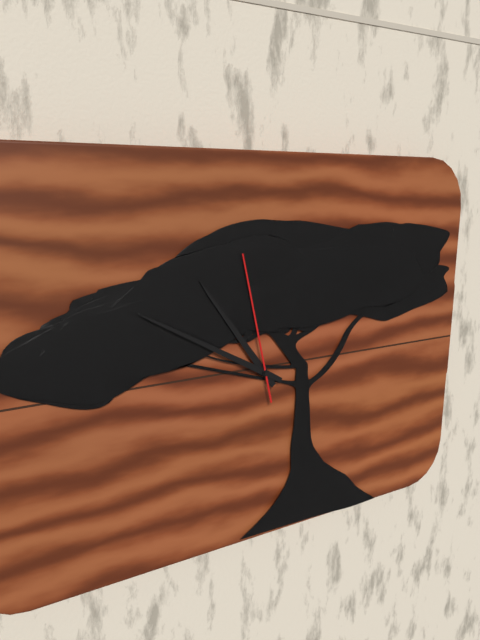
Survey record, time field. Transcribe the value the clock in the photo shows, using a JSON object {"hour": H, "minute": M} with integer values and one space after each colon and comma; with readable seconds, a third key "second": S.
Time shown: {"hour": 10, "minute": 50, "second": 58}
